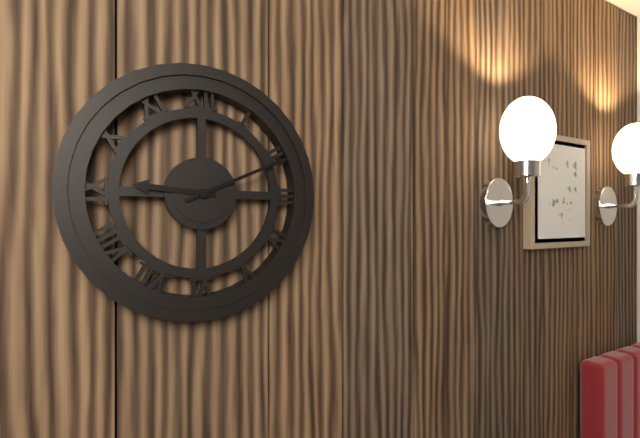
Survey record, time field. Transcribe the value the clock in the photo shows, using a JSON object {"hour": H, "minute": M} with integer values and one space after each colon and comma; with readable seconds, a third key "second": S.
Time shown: {"hour": 9, "minute": 11}
